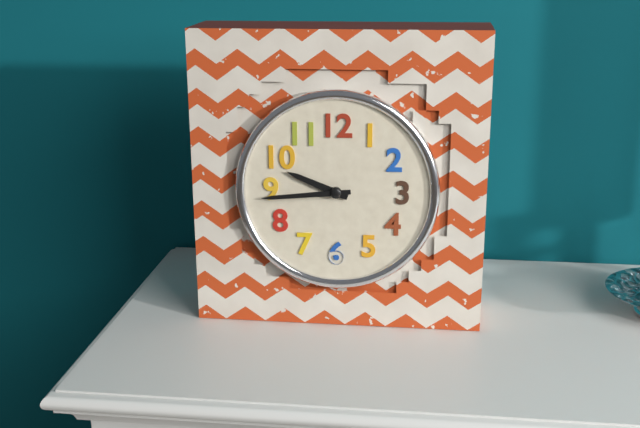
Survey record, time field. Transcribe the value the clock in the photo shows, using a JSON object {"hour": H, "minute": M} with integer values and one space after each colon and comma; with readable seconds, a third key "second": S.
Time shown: {"hour": 9, "minute": 44}
